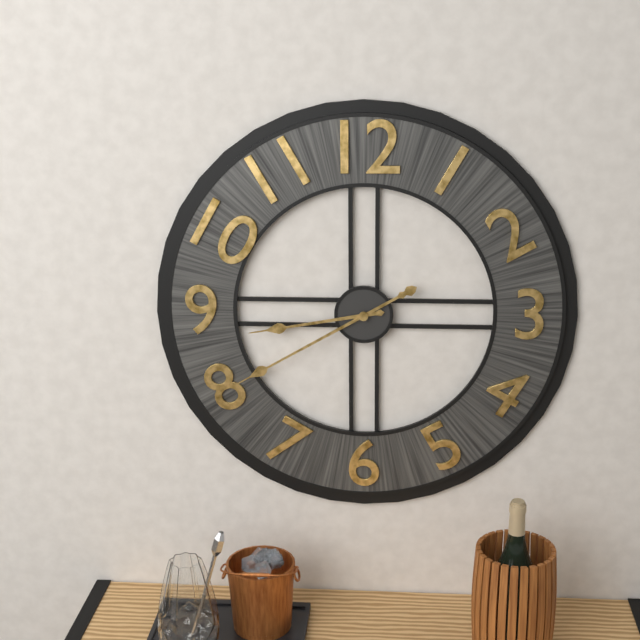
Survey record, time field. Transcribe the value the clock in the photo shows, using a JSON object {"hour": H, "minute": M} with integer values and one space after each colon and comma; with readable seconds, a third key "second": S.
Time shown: {"hour": 8, "minute": 40}
